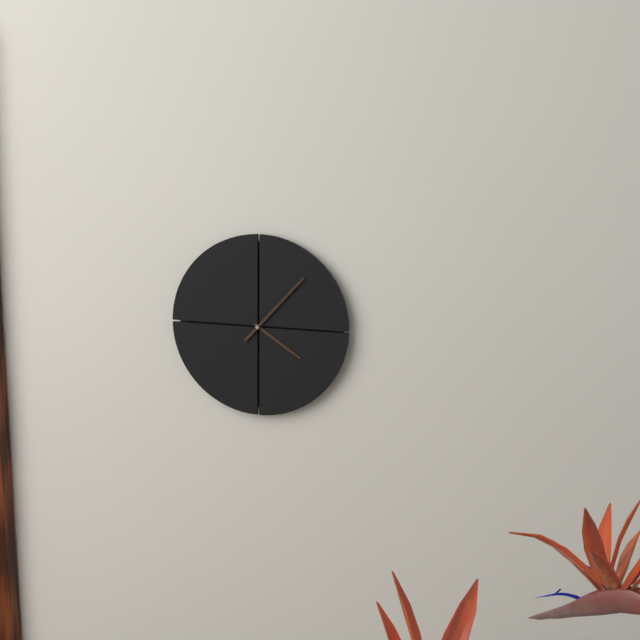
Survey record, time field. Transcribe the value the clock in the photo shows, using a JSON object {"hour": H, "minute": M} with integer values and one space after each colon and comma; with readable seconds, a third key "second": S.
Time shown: {"hour": 4, "minute": 7}
